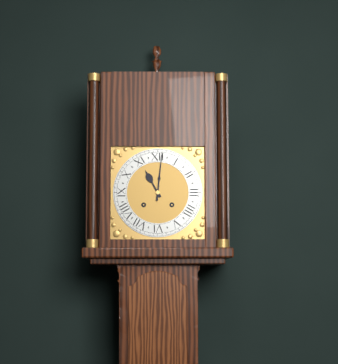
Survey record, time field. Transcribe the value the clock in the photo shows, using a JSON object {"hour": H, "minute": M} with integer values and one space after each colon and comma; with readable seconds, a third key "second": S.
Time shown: {"hour": 11, "minute": 1}
